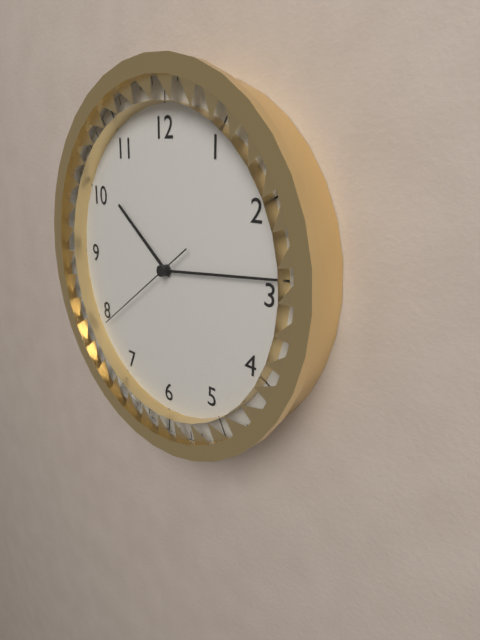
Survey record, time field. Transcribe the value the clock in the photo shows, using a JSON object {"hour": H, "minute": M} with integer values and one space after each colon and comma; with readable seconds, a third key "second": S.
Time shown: {"hour": 10, "minute": 14, "second": 39}
